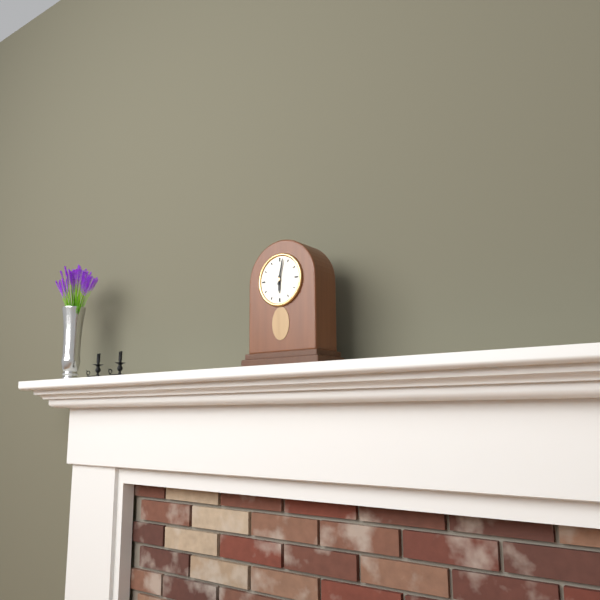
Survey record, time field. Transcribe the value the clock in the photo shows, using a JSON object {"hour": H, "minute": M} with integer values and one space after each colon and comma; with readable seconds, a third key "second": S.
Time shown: {"hour": 6, "minute": 2}
